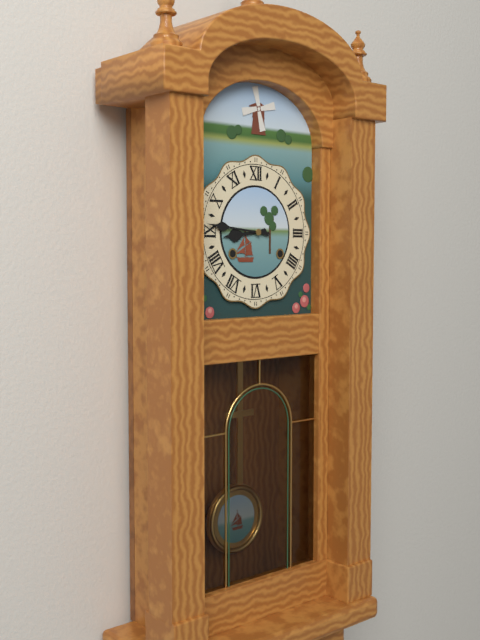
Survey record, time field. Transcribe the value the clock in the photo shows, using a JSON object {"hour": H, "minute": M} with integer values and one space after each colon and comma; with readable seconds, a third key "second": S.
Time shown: {"hour": 8, "minute": 46}
